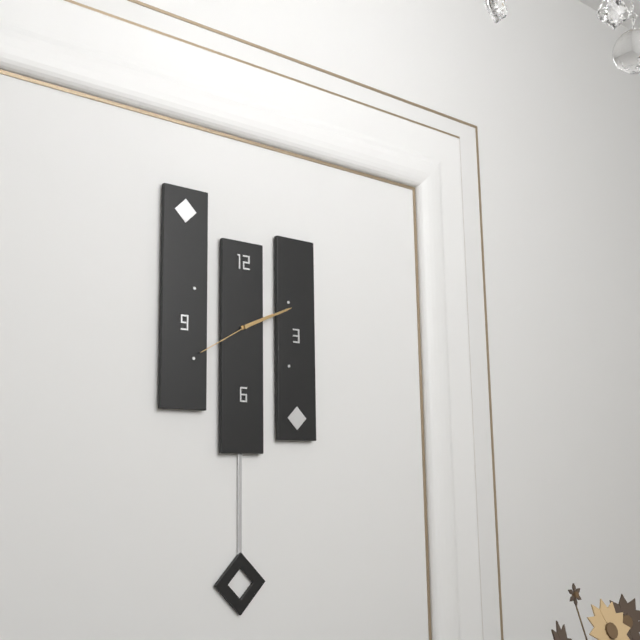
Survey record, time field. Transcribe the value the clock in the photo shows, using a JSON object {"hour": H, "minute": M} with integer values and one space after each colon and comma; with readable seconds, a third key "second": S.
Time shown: {"hour": 2, "minute": 11, "second": 40}
